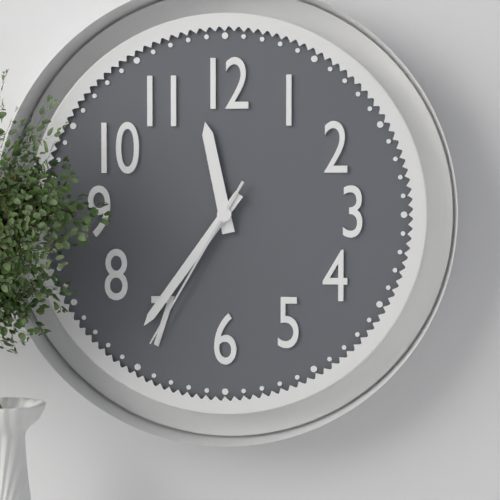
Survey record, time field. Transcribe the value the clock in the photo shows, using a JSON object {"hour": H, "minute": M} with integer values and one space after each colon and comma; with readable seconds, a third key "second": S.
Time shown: {"hour": 11, "minute": 36, "second": 35}
